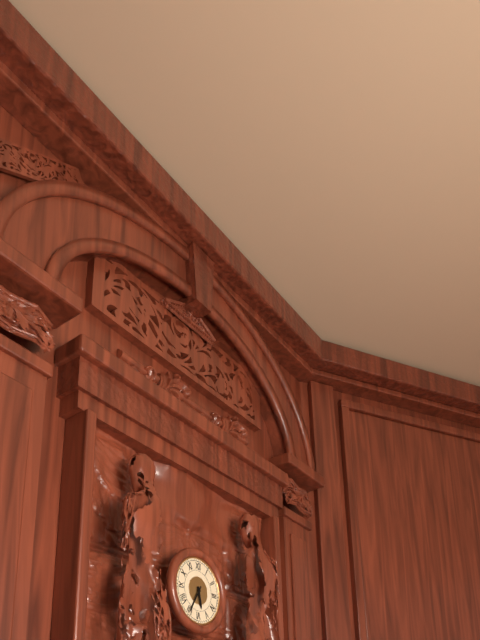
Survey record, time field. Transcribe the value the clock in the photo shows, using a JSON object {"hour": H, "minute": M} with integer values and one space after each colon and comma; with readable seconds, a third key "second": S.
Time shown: {"hour": 5, "minute": 35}
